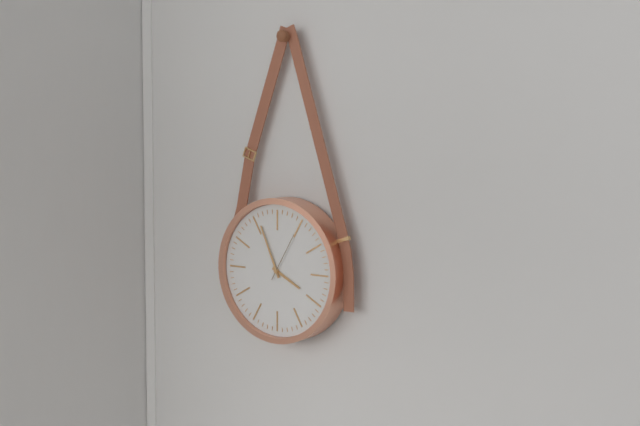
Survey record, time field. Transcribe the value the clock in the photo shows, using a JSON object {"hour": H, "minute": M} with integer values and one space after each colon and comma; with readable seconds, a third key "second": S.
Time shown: {"hour": 3, "minute": 56}
